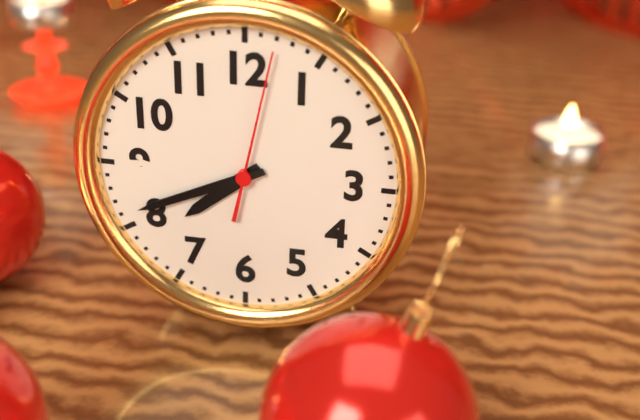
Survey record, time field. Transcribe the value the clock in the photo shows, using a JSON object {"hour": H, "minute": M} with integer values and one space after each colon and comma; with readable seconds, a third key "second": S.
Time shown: {"hour": 7, "minute": 41, "second": 2}
